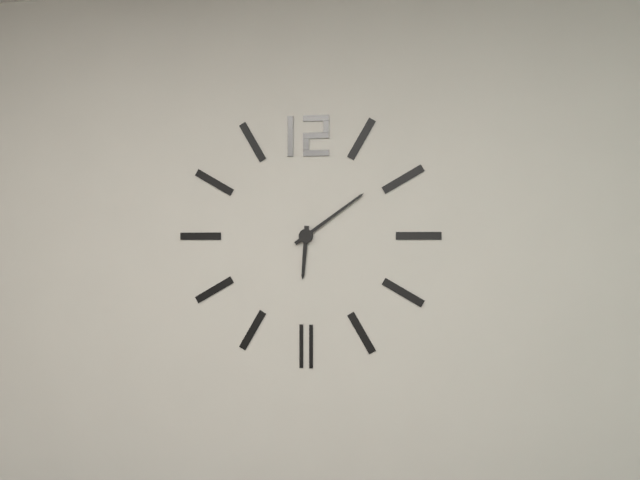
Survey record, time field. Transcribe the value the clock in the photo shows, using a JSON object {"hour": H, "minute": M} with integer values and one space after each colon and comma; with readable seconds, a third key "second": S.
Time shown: {"hour": 6, "minute": 9}
